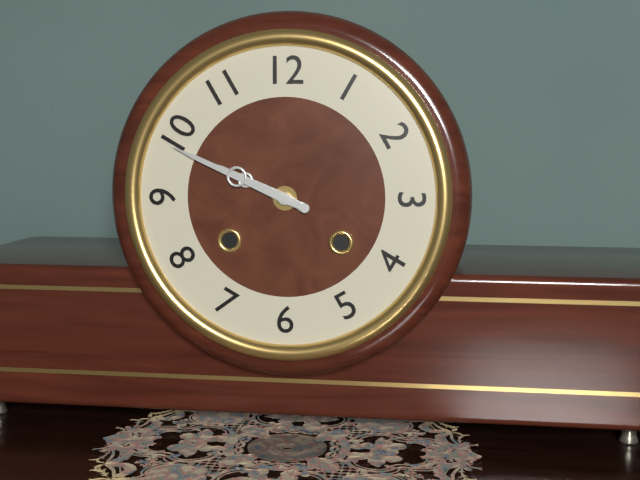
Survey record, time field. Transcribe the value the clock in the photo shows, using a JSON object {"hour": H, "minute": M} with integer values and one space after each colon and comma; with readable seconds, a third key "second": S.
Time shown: {"hour": 9, "minute": 49}
